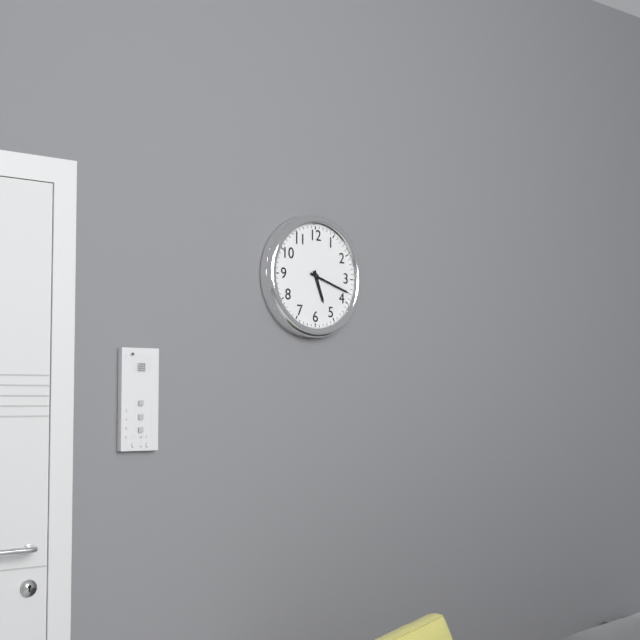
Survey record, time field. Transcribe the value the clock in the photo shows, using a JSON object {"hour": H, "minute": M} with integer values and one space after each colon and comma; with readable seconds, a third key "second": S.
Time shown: {"hour": 5, "minute": 18}
